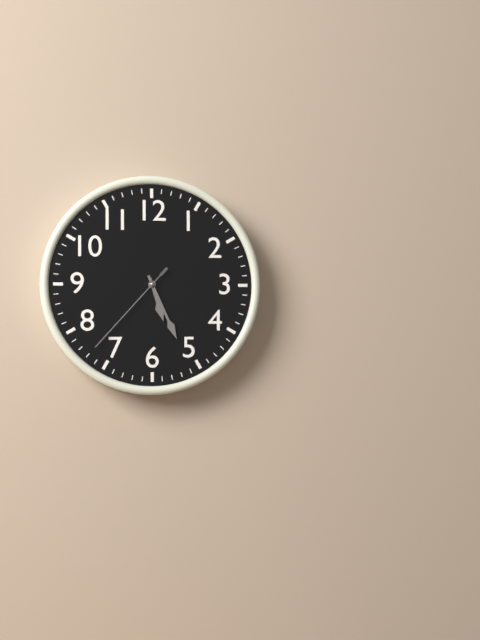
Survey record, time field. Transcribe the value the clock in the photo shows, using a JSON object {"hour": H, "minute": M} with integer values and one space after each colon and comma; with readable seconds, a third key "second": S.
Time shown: {"hour": 5, "minute": 26, "second": 37}
